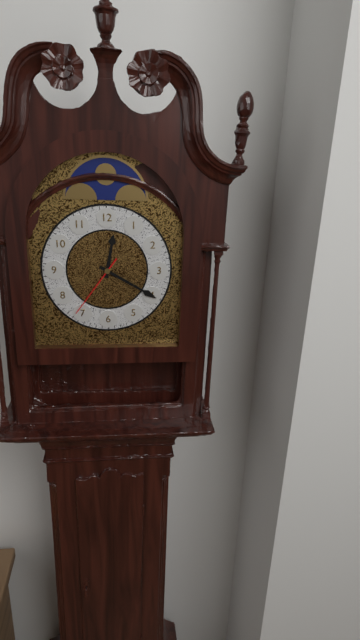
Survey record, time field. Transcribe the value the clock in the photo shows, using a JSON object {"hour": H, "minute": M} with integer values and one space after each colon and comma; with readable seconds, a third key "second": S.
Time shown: {"hour": 12, "minute": 20, "second": 36}
